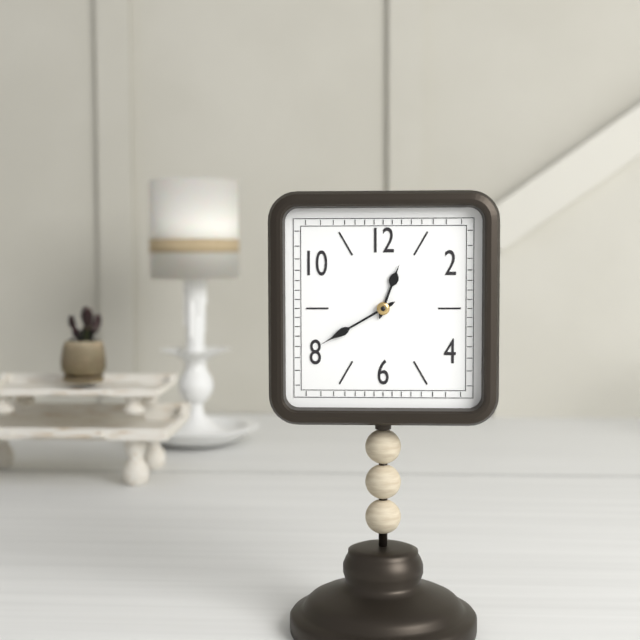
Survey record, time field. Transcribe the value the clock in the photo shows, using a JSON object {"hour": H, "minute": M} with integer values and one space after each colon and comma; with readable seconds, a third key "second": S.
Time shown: {"hour": 12, "minute": 40}
